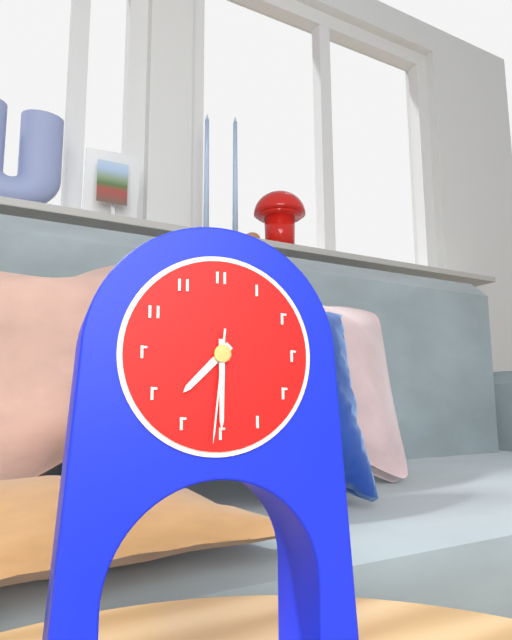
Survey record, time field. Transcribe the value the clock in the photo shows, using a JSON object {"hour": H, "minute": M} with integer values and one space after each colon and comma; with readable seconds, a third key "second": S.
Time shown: {"hour": 7, "minute": 30, "second": 31}
